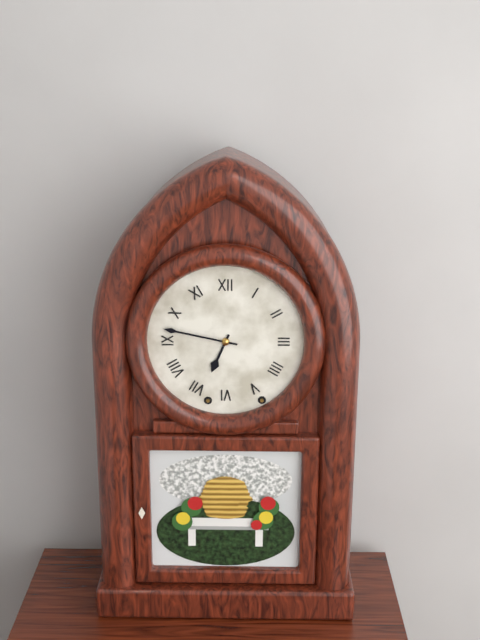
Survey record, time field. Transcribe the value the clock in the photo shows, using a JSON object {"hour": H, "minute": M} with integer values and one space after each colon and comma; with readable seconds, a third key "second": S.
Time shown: {"hour": 6, "minute": 47}
